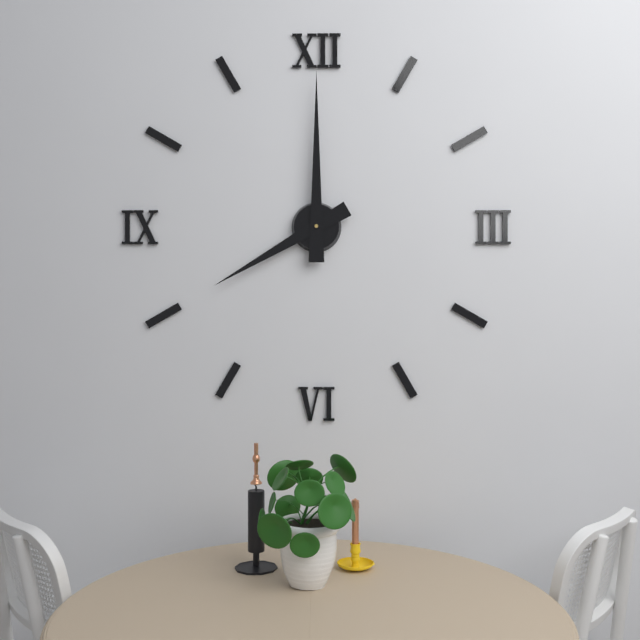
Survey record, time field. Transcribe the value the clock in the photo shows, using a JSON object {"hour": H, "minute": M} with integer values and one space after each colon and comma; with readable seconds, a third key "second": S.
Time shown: {"hour": 8, "minute": 0}
